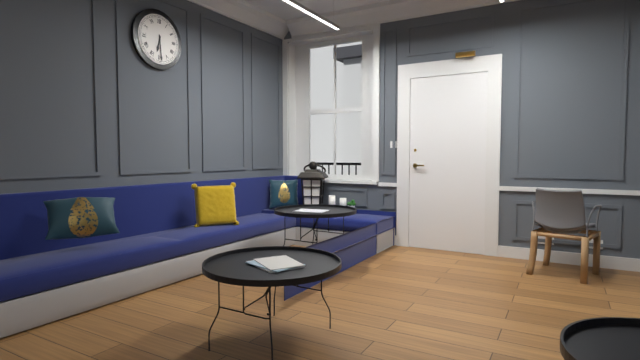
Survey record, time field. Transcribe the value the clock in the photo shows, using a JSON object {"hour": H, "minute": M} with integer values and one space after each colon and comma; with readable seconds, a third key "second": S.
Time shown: {"hour": 6, "minute": 29}
